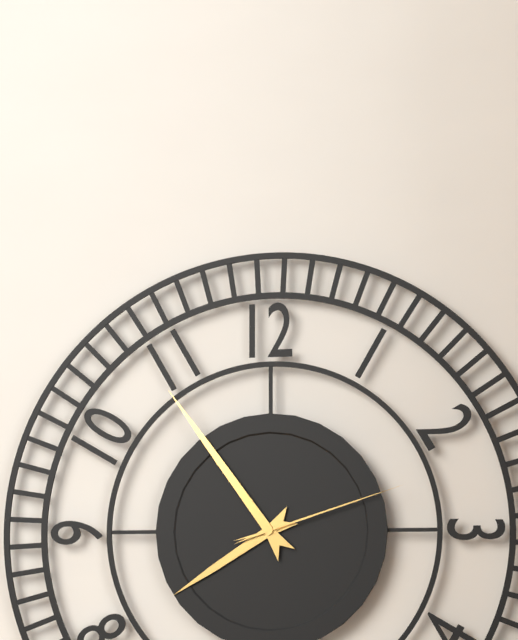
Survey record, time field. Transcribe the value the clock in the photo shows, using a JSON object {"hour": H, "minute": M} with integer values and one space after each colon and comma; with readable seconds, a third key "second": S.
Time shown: {"hour": 7, "minute": 54, "second": 12}
